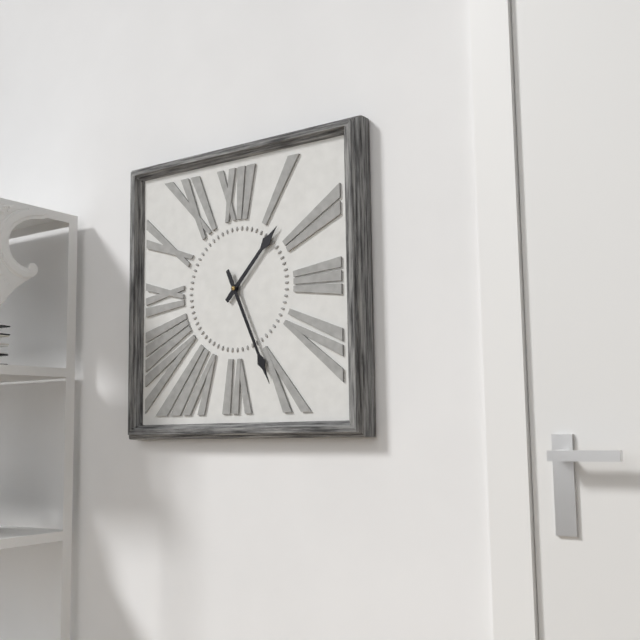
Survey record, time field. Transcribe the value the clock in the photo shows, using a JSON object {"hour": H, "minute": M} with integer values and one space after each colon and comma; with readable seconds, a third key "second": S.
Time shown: {"hour": 1, "minute": 26}
